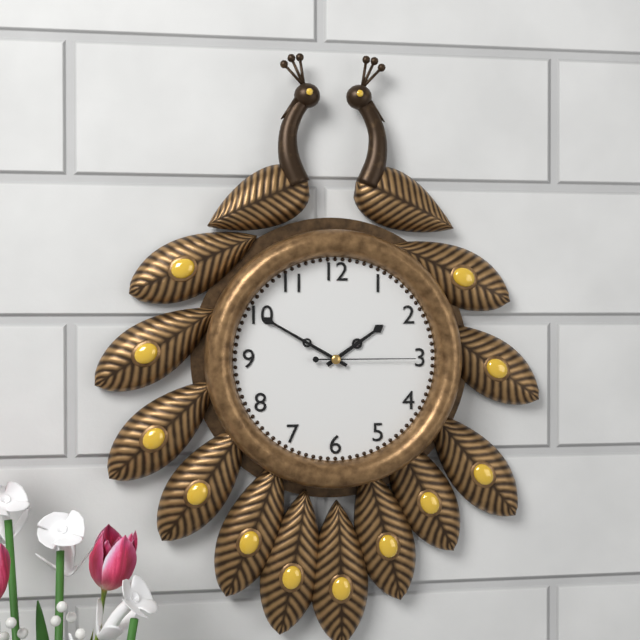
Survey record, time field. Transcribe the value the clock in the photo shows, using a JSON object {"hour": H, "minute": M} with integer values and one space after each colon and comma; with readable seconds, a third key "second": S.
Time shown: {"hour": 1, "minute": 50, "second": 15}
